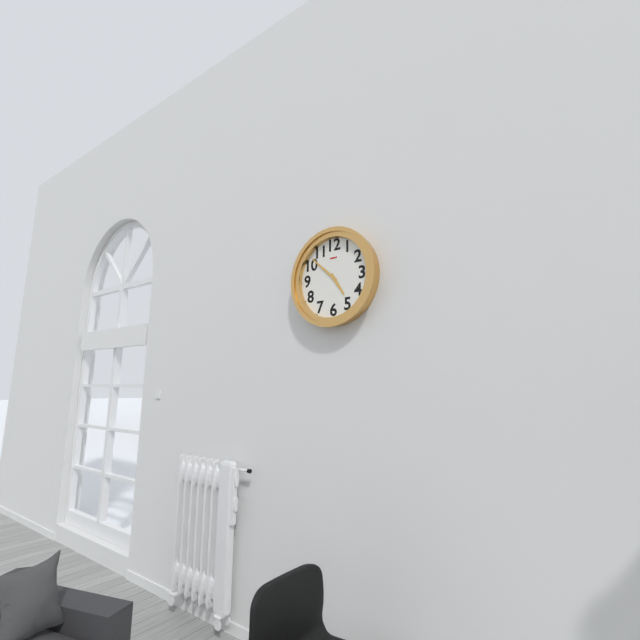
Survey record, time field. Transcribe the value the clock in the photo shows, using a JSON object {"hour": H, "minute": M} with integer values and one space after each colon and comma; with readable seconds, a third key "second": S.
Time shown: {"hour": 4, "minute": 52}
